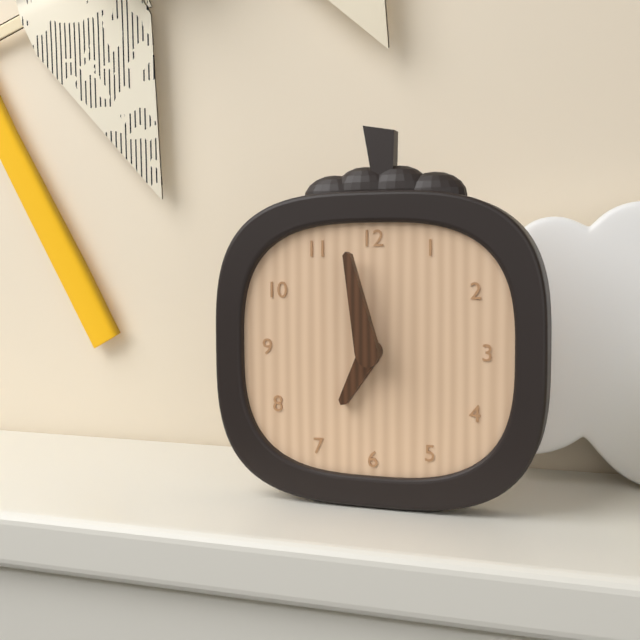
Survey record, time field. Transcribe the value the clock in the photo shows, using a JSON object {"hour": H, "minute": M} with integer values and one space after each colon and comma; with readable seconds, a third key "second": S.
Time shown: {"hour": 6, "minute": 58}
